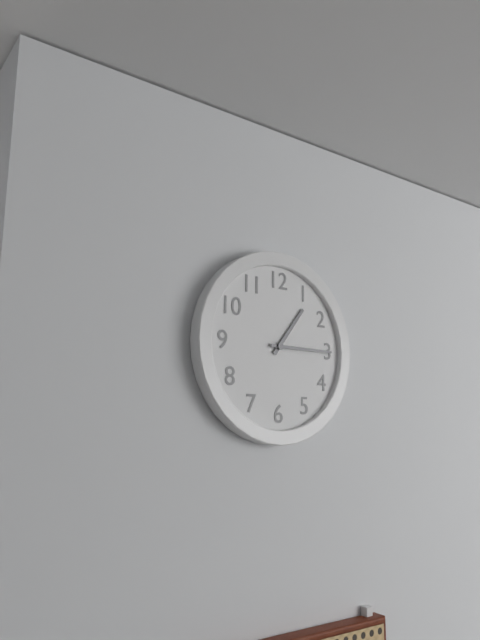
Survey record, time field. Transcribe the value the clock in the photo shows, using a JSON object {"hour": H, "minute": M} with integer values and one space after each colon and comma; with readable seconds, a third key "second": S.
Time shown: {"hour": 1, "minute": 15}
